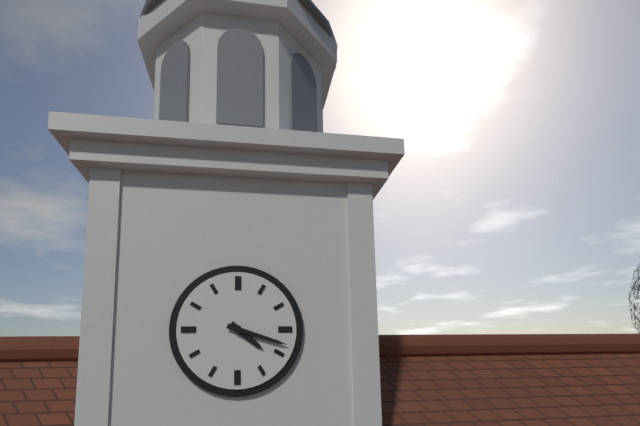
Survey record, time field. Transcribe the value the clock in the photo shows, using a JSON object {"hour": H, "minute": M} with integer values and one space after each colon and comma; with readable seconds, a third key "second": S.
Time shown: {"hour": 4, "minute": 18}
